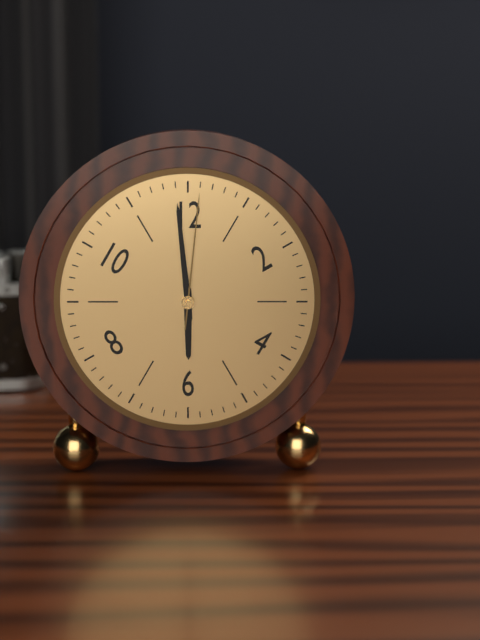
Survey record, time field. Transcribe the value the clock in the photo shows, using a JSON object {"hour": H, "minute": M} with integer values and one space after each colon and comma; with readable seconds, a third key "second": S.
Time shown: {"hour": 5, "minute": 59, "second": 1}
